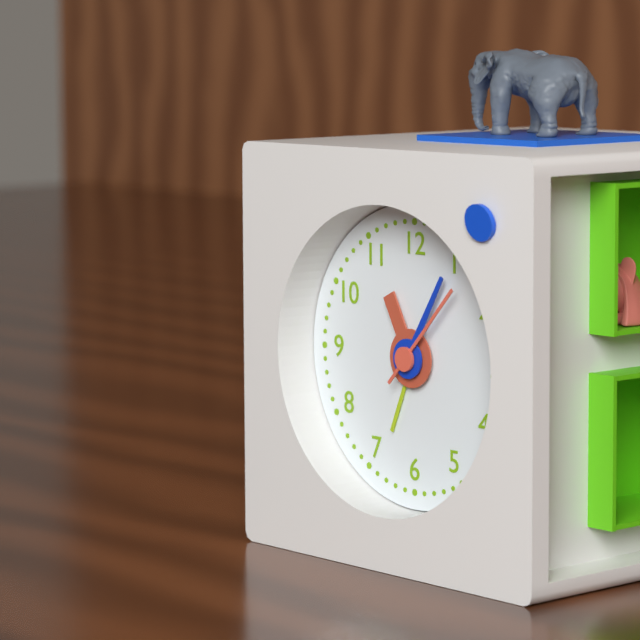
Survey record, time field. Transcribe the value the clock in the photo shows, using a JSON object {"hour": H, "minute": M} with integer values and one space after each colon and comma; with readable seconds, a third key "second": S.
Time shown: {"hour": 11, "minute": 5, "second": 7}
